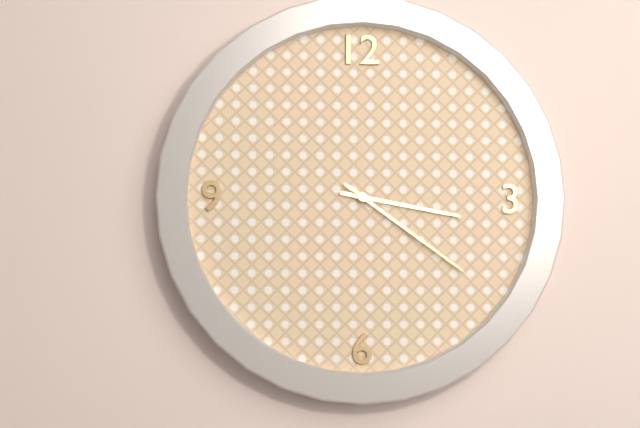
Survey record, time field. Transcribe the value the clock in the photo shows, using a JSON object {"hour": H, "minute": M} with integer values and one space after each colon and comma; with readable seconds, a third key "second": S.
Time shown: {"hour": 3, "minute": 21}
